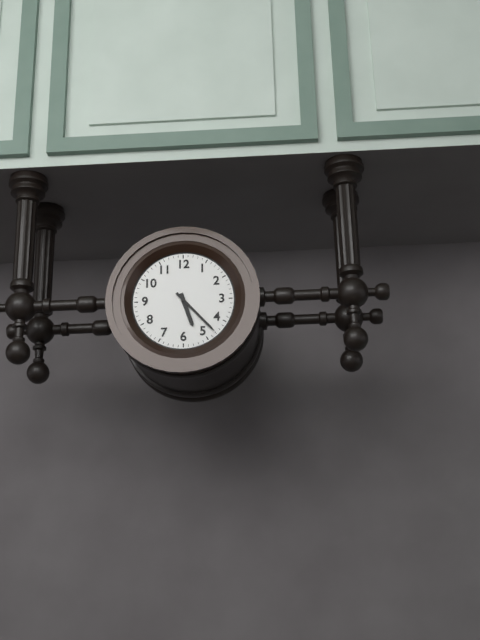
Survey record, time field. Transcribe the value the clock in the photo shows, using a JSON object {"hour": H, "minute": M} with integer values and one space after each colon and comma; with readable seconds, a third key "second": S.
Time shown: {"hour": 5, "minute": 23}
